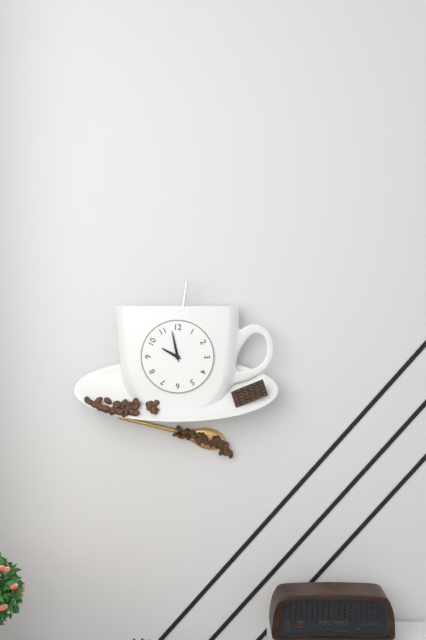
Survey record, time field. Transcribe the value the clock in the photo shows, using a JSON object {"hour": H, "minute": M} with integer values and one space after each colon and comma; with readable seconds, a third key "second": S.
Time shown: {"hour": 9, "minute": 58}
